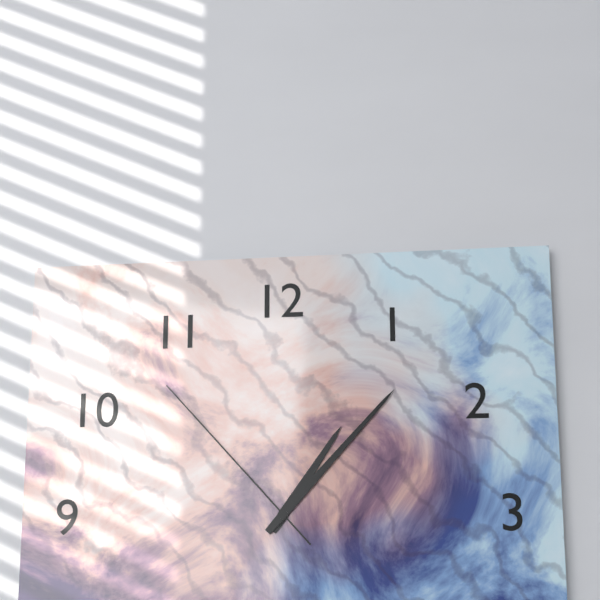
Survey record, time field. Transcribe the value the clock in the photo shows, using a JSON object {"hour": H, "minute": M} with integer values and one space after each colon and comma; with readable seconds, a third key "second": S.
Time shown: {"hour": 1, "minute": 7, "second": 53}
